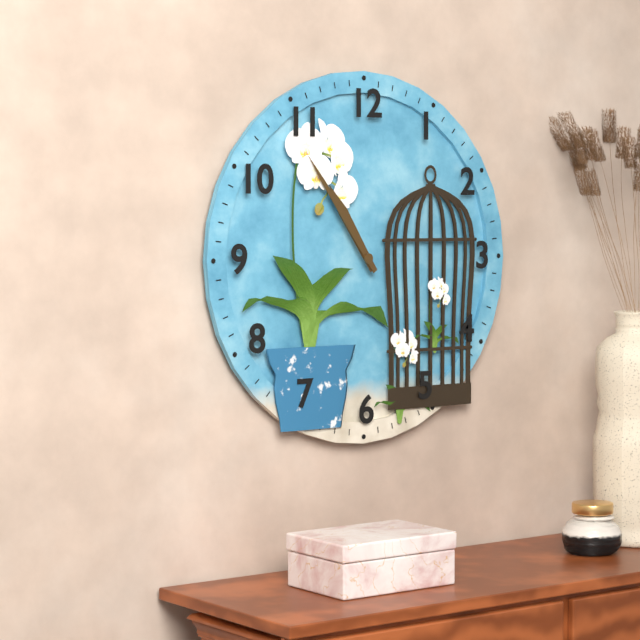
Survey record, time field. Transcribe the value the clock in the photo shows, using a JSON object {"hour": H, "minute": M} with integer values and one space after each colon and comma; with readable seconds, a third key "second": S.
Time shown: {"hour": 10, "minute": 54}
